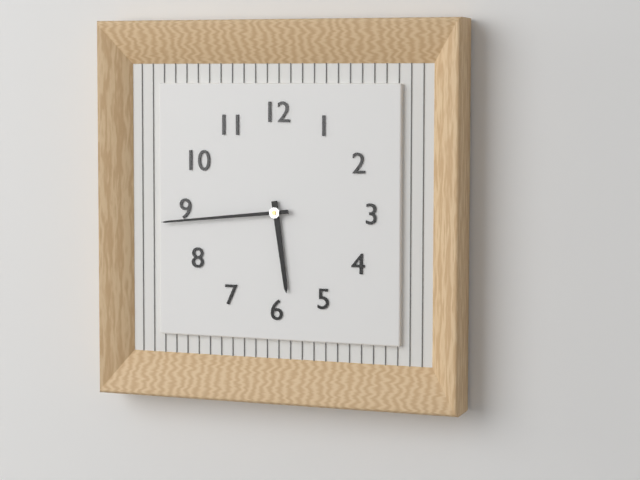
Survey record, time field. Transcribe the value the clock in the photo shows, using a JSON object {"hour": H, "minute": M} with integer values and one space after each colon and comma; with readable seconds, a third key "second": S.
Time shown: {"hour": 5, "minute": 44}
